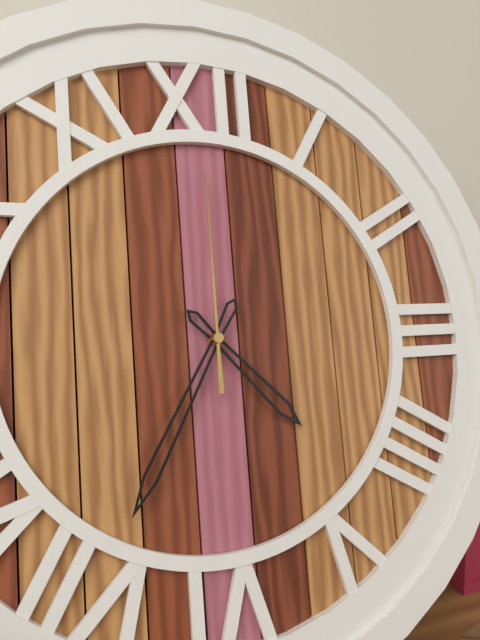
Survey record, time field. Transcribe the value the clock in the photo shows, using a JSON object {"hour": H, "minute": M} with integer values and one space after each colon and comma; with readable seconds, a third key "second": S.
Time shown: {"hour": 4, "minute": 35, "second": 0}
